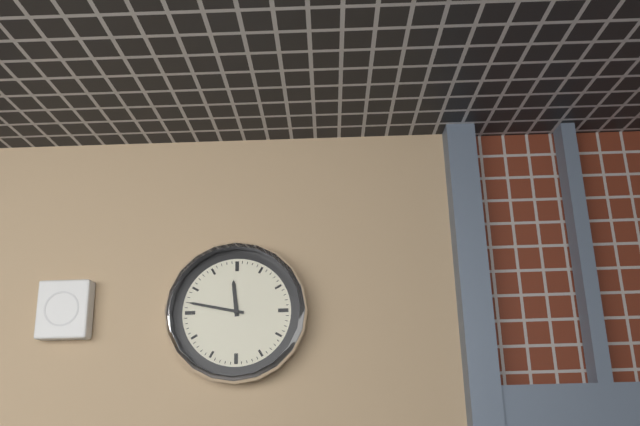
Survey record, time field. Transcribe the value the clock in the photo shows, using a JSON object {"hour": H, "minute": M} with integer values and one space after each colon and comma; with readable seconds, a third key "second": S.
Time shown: {"hour": 11, "minute": 47}
